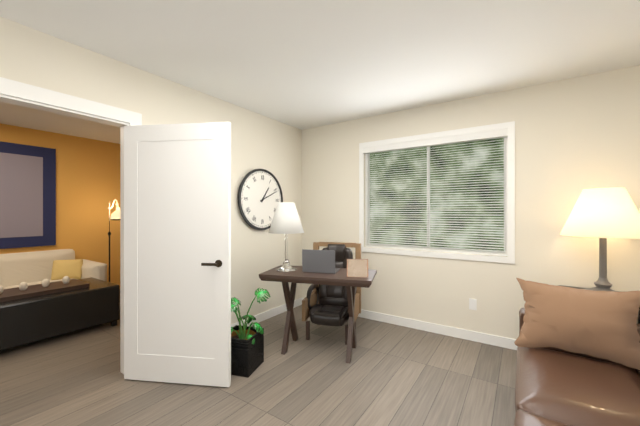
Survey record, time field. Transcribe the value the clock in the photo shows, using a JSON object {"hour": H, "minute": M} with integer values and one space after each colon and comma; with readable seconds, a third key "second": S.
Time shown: {"hour": 1, "minute": 11}
